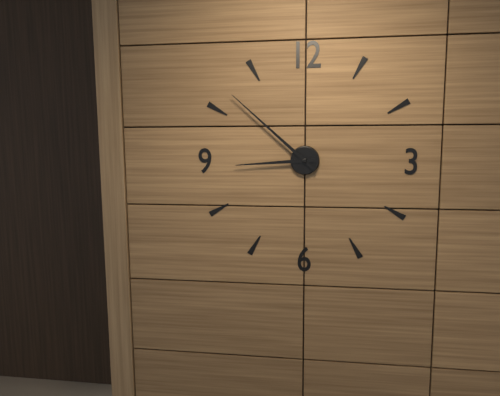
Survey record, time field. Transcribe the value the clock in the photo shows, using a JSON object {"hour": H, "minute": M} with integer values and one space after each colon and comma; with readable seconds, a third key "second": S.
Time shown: {"hour": 8, "minute": 52}
